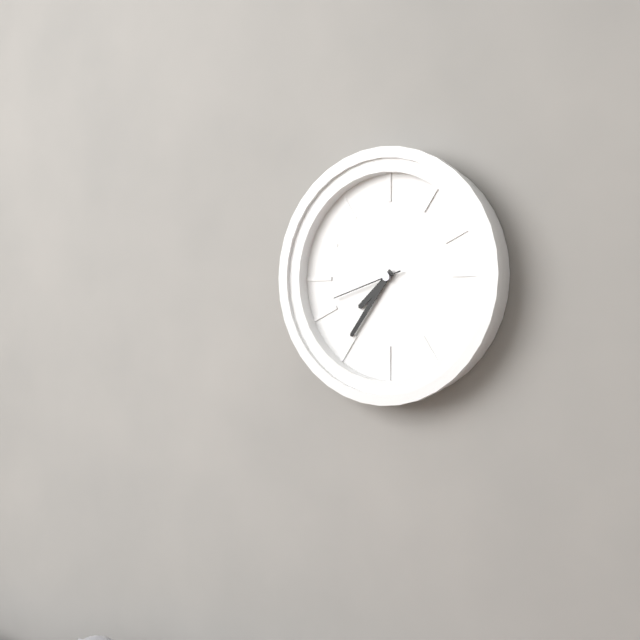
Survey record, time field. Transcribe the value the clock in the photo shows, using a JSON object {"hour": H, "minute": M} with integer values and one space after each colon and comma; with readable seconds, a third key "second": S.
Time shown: {"hour": 7, "minute": 36, "second": 42}
